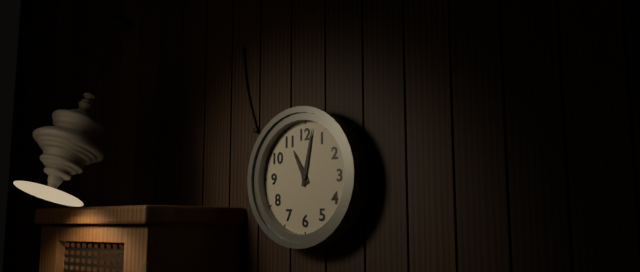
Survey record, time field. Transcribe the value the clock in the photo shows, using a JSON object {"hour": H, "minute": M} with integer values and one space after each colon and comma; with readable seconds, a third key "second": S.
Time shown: {"hour": 11, "minute": 2}
